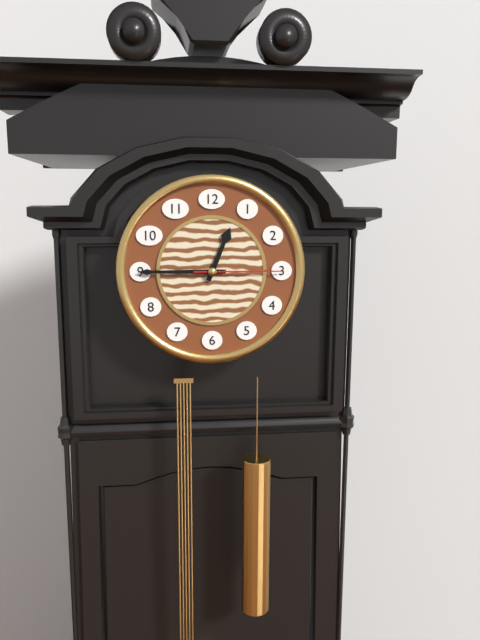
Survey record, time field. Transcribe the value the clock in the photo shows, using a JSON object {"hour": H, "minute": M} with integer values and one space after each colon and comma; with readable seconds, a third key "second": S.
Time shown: {"hour": 12, "minute": 45, "second": 15}
